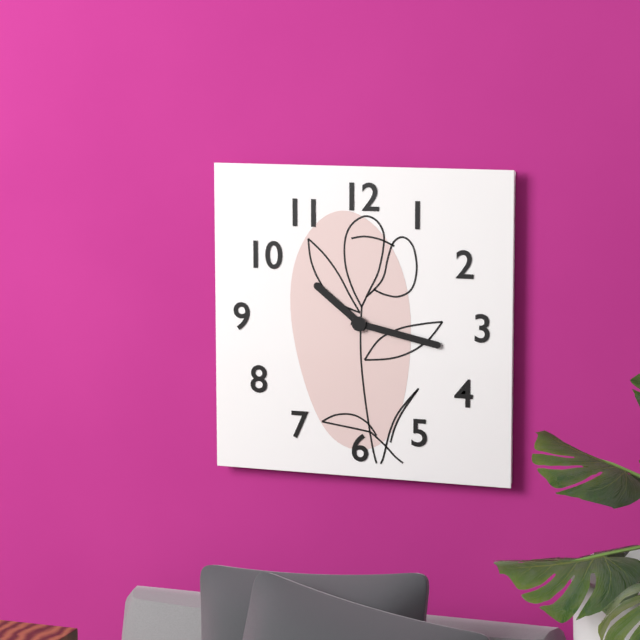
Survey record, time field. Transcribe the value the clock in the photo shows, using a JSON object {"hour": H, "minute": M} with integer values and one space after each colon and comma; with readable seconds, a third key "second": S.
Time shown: {"hour": 10, "minute": 17}
